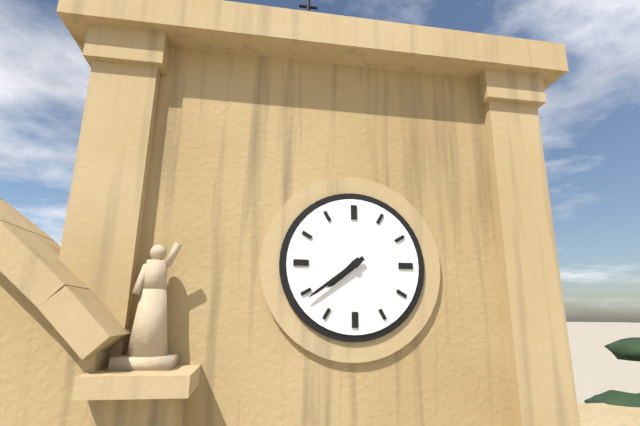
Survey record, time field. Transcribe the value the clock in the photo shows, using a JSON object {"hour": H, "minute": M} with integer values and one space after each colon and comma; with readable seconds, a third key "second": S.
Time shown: {"hour": 7, "minute": 39}
